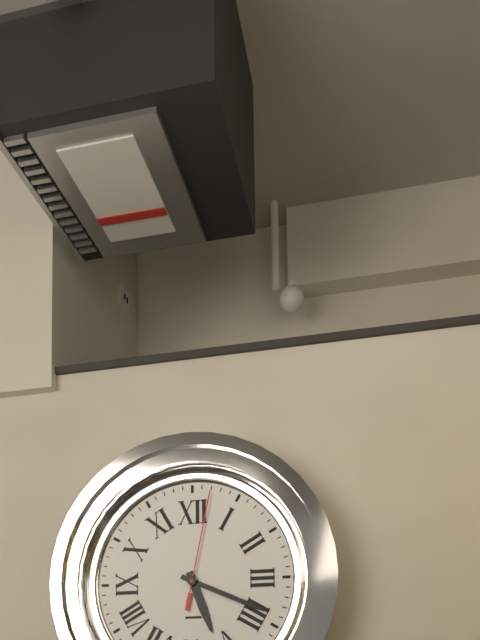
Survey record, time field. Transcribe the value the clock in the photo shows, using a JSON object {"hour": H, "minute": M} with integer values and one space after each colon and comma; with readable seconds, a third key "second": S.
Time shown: {"hour": 5, "minute": 19, "second": 2}
